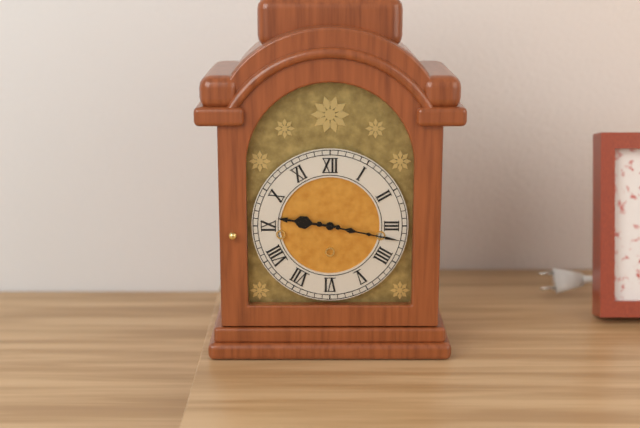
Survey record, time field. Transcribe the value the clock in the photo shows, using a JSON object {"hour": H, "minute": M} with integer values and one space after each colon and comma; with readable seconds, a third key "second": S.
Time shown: {"hour": 9, "minute": 17}
